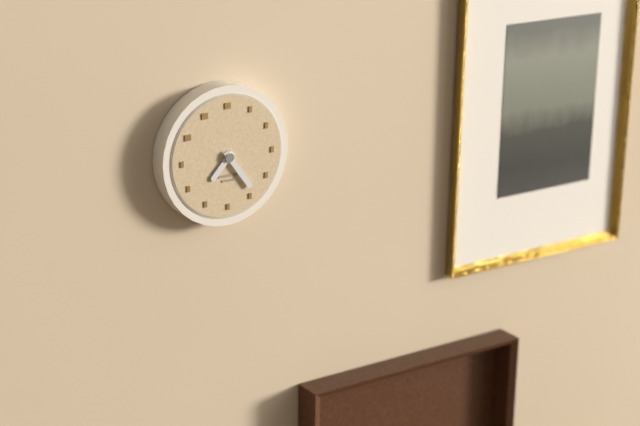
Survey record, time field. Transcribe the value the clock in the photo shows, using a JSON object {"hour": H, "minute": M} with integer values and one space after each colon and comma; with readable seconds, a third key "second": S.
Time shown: {"hour": 7, "minute": 24}
